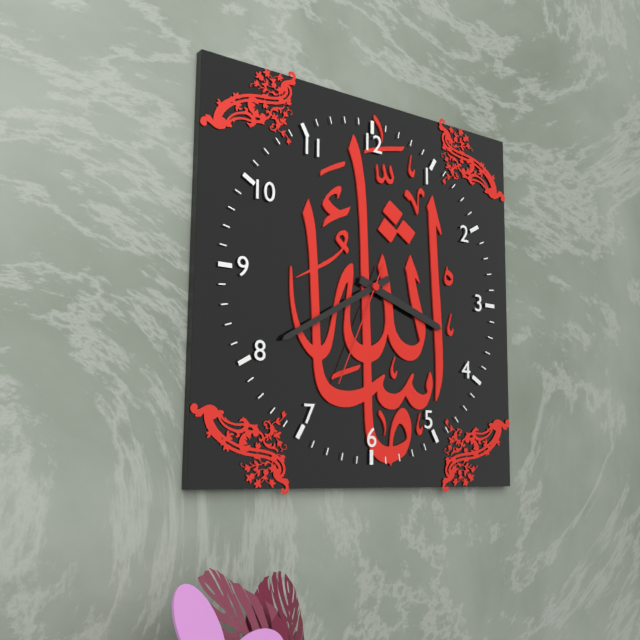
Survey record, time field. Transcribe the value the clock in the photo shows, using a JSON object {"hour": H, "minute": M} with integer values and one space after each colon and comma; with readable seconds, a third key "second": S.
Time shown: {"hour": 3, "minute": 40, "second": 34}
